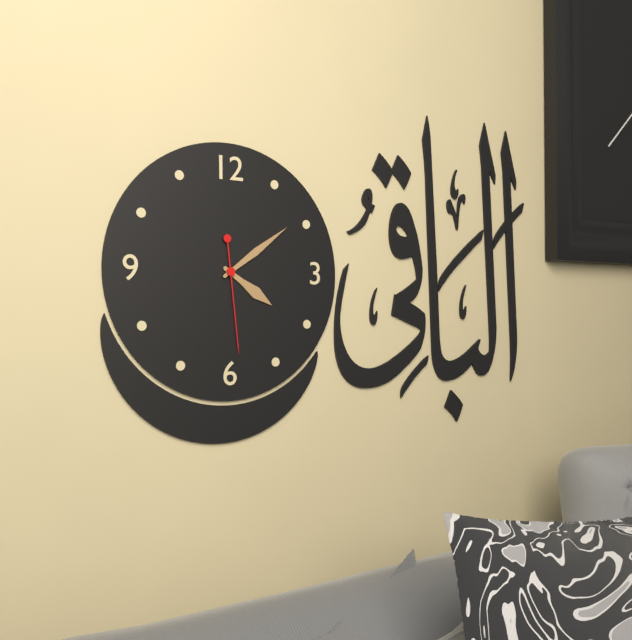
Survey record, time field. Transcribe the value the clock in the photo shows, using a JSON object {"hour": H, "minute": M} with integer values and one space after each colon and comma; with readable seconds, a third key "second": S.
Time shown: {"hour": 4, "minute": 9, "second": 29}
